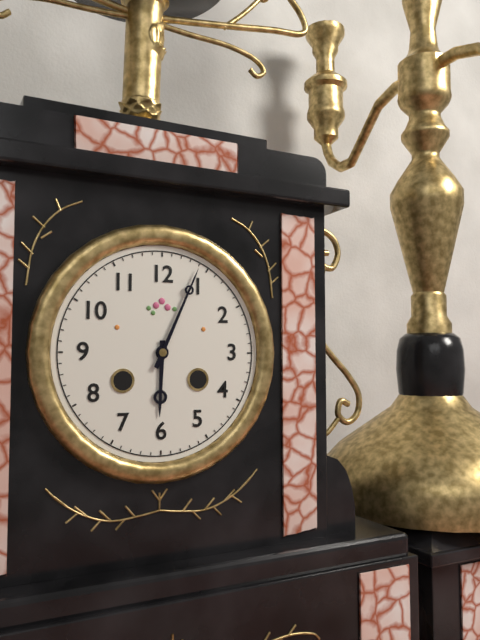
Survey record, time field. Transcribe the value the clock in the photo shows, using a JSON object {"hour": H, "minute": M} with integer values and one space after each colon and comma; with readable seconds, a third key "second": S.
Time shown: {"hour": 6, "minute": 4}
